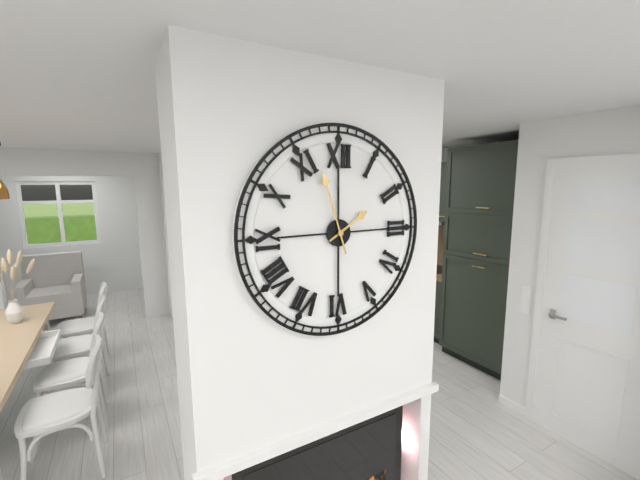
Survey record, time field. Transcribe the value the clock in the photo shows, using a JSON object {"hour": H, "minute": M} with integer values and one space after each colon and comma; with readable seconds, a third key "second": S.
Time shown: {"hour": 1, "minute": 57}
